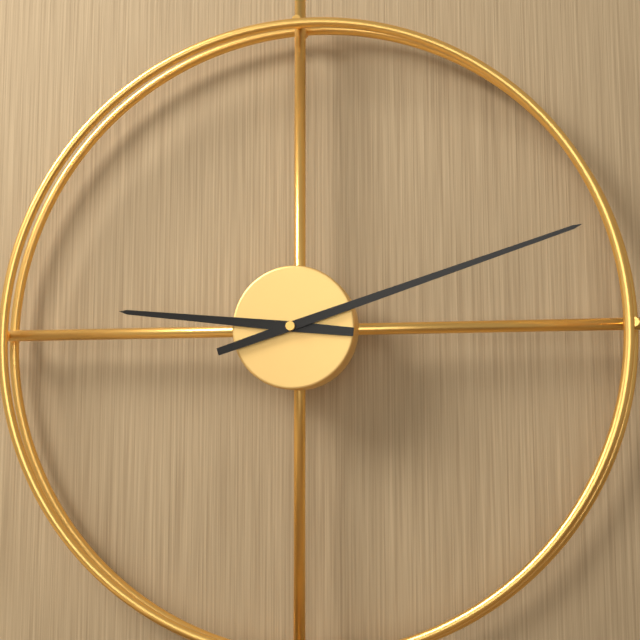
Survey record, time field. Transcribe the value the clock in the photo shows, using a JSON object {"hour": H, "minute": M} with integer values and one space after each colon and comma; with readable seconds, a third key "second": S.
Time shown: {"hour": 9, "minute": 12}
